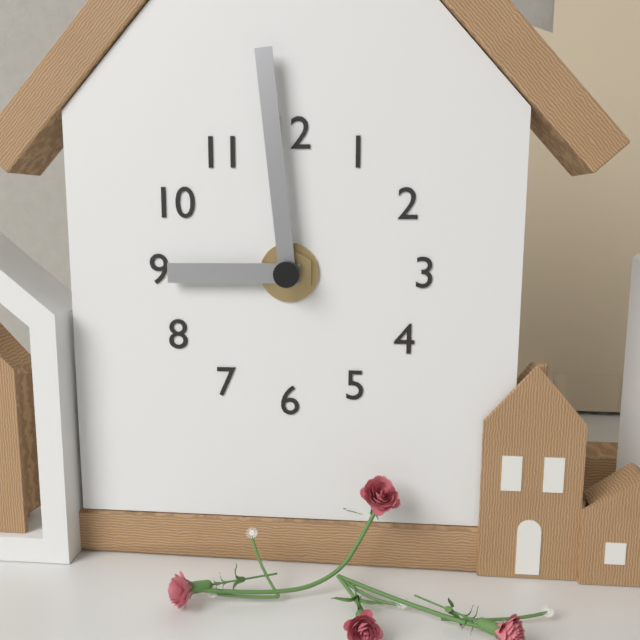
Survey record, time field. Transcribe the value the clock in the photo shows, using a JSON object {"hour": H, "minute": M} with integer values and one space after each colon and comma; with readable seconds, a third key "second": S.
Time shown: {"hour": 8, "minute": 59}
